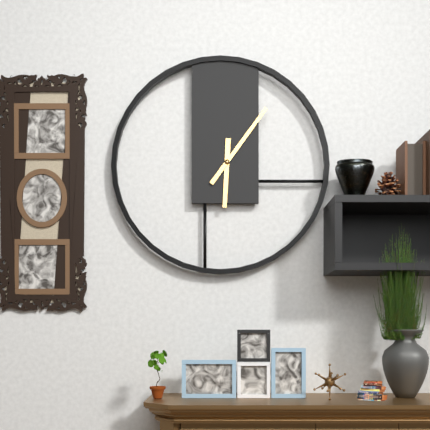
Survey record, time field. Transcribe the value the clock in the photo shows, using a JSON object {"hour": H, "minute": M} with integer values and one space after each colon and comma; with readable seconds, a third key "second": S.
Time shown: {"hour": 6, "minute": 6}
